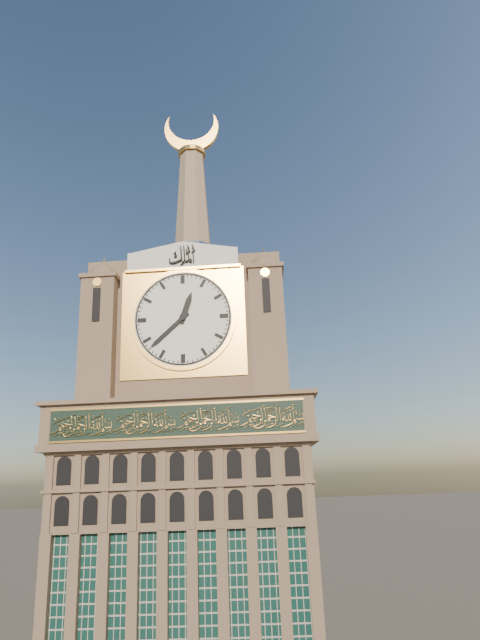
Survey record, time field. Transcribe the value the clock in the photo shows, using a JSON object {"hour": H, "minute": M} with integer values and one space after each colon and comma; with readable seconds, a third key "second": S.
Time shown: {"hour": 12, "minute": 38}
